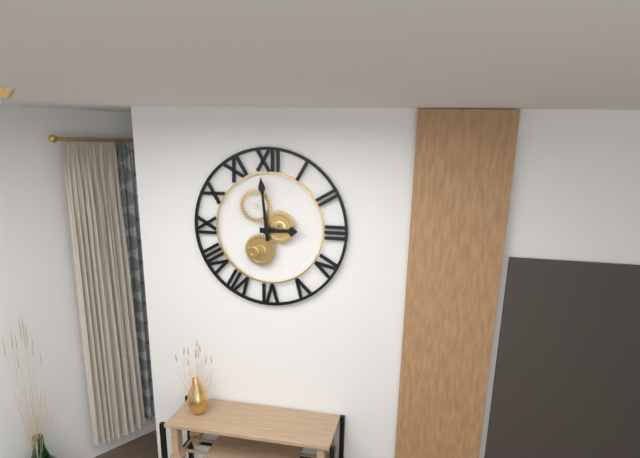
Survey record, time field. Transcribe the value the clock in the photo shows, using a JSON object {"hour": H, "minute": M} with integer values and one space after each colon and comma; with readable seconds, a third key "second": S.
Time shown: {"hour": 2, "minute": 59}
